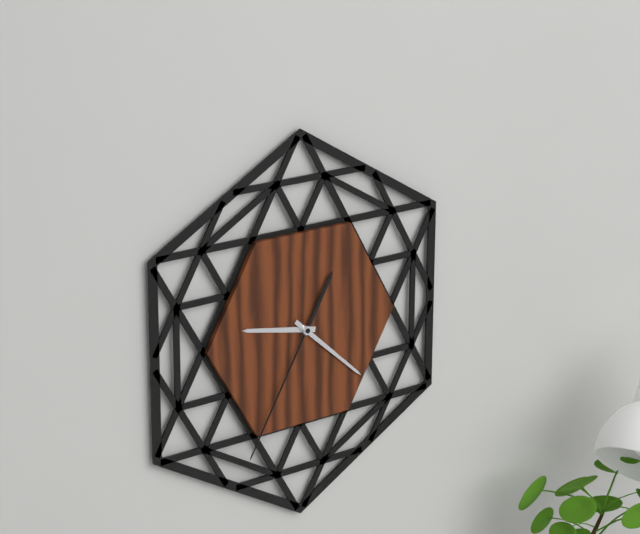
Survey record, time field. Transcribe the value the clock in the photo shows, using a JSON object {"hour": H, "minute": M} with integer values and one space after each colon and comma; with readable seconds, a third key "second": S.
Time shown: {"hour": 9, "minute": 22, "second": 35}
